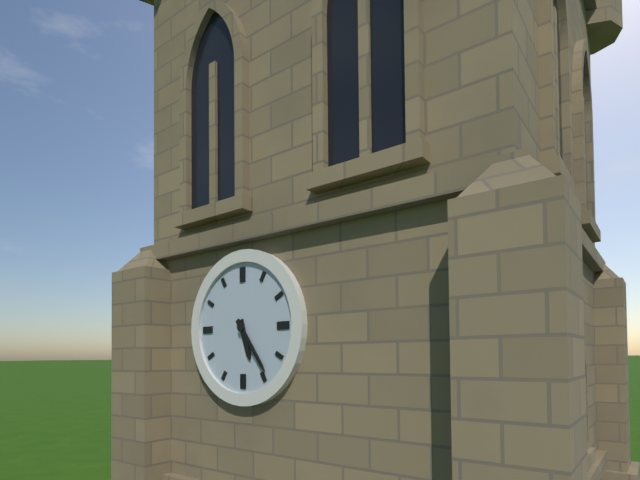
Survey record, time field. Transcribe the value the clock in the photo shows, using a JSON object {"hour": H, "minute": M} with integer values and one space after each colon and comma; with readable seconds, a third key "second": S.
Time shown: {"hour": 5, "minute": 24}
